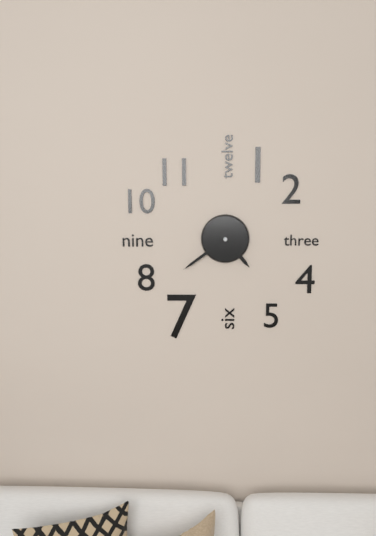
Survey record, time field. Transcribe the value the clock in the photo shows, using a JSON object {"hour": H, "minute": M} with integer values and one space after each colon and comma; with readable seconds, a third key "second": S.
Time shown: {"hour": 4, "minute": 39}
